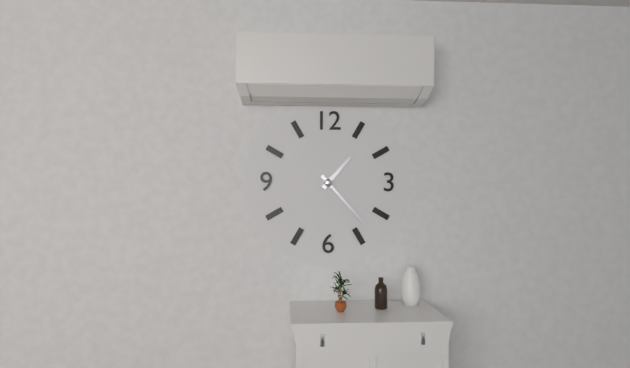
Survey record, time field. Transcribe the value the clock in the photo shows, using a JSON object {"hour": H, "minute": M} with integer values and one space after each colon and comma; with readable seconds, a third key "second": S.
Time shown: {"hour": 1, "minute": 23}
